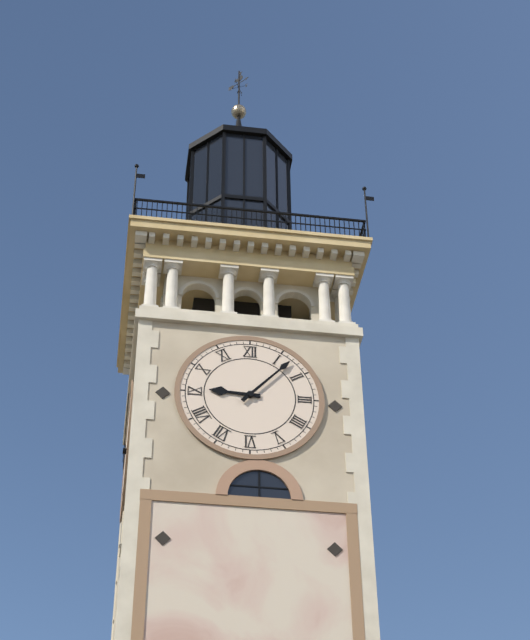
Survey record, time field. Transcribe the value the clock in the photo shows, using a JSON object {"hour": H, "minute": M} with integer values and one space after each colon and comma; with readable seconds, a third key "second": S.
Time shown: {"hour": 9, "minute": 7}
